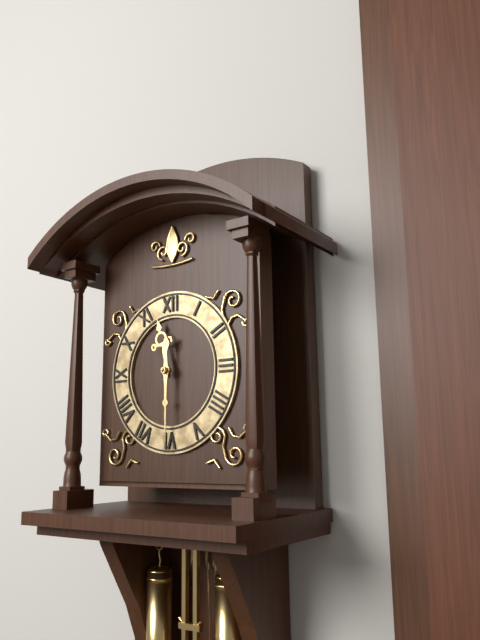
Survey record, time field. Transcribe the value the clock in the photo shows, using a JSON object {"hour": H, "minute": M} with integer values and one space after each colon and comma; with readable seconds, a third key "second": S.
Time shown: {"hour": 11, "minute": 30}
